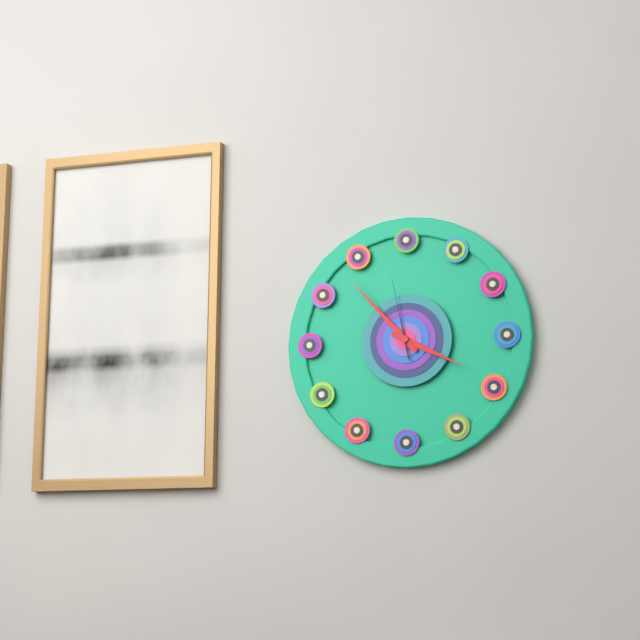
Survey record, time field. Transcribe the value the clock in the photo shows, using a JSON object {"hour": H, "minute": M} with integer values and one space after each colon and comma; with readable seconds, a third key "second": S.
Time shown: {"hour": 3, "minute": 53, "second": 58}
